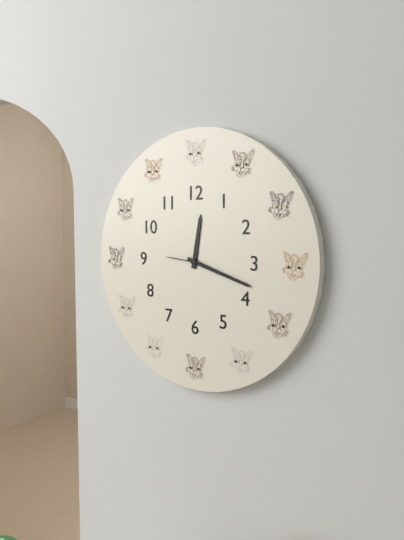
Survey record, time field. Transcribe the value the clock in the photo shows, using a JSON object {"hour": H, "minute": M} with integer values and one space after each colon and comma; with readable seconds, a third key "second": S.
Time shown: {"hour": 12, "minute": 18}
